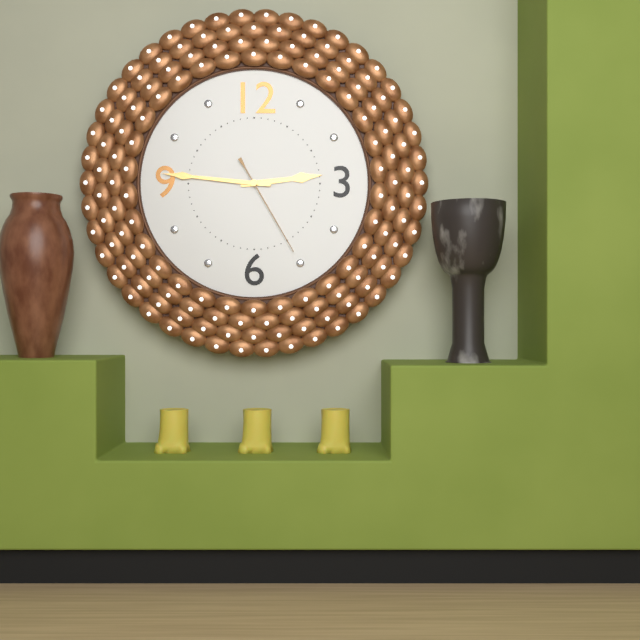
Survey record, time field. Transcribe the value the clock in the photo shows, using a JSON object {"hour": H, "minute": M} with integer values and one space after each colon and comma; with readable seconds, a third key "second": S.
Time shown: {"hour": 2, "minute": 46, "second": 25}
